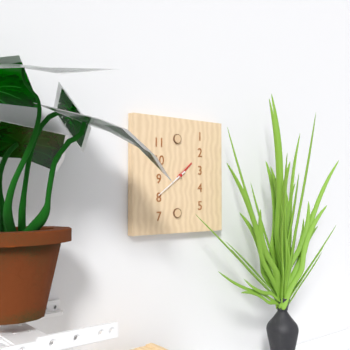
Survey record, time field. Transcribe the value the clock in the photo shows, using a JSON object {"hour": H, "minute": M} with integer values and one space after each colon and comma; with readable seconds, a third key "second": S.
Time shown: {"hour": 1, "minute": 39}
